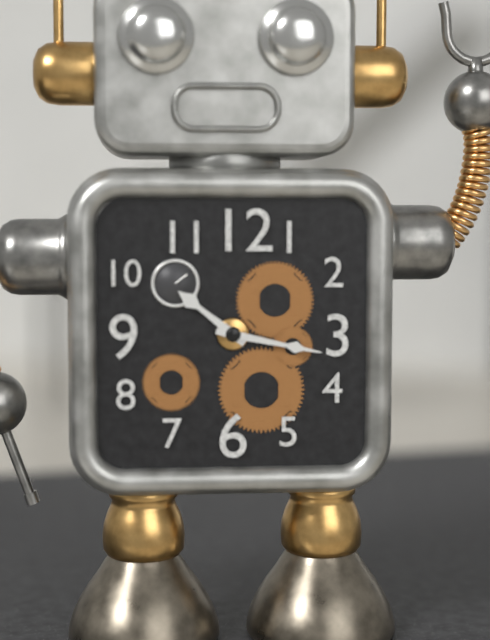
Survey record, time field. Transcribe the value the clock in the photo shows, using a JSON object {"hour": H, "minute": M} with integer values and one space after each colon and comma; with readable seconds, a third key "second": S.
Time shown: {"hour": 10, "minute": 17}
